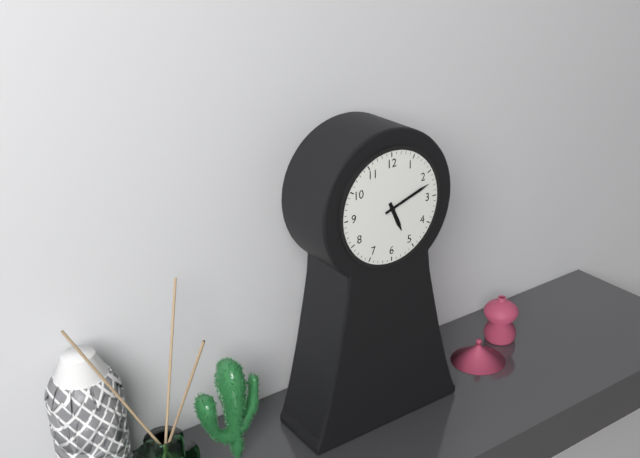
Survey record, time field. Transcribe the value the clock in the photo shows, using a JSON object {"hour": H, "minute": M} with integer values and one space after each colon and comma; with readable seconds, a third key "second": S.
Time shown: {"hour": 5, "minute": 12}
